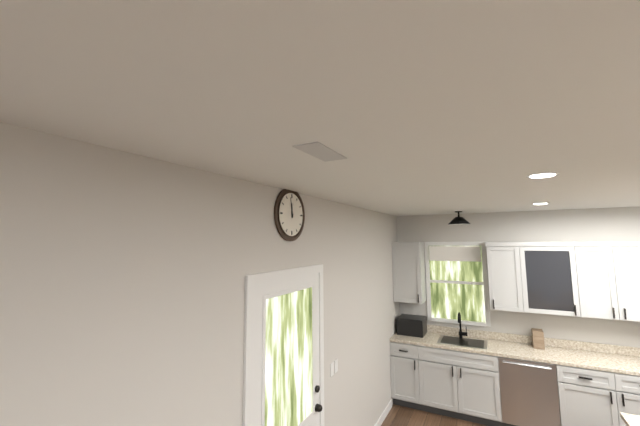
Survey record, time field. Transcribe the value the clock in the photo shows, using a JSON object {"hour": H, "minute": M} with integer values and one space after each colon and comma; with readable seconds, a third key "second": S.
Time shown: {"hour": 11, "minute": 58}
